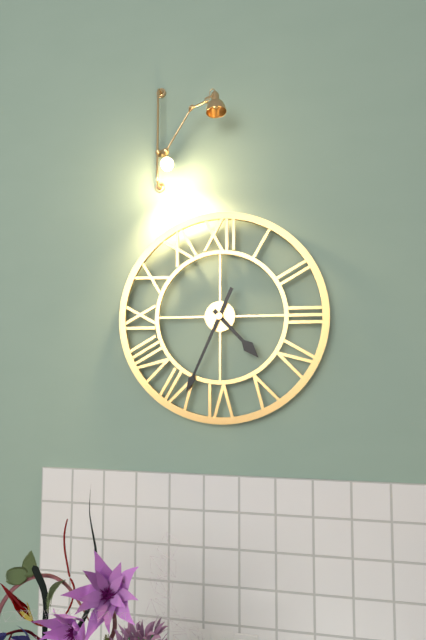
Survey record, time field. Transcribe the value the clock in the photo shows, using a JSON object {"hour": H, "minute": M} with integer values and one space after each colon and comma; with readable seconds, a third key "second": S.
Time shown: {"hour": 4, "minute": 34}
